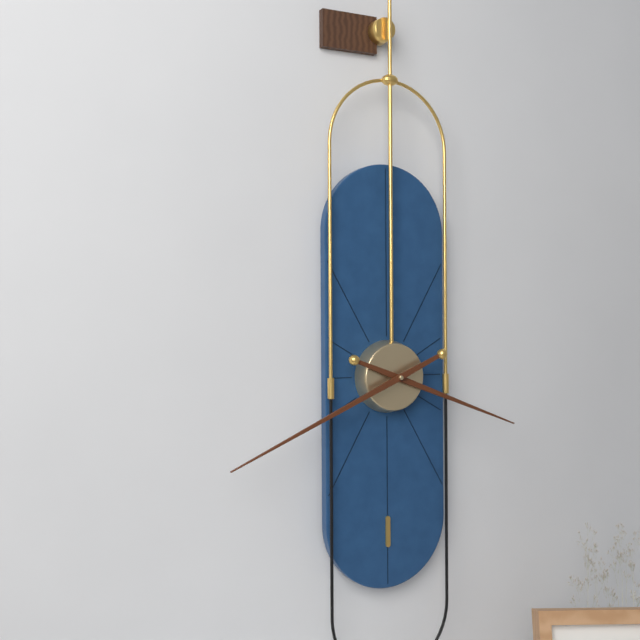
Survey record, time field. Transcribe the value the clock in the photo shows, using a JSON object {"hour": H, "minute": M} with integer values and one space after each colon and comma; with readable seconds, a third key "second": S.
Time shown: {"hour": 3, "minute": 41}
